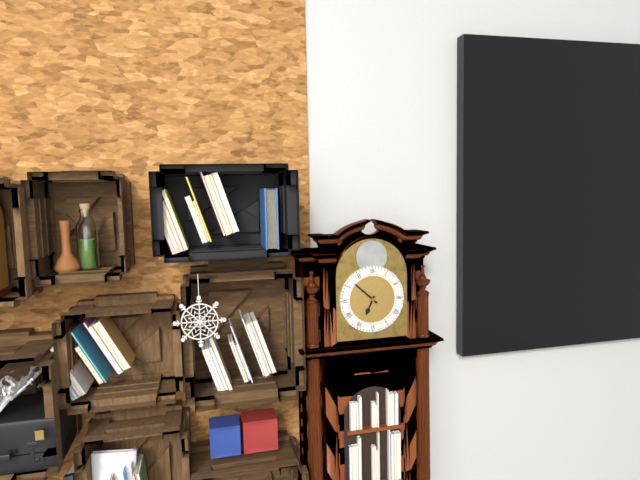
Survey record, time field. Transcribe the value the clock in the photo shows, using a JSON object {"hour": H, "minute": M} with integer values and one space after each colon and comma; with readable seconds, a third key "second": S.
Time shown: {"hour": 6, "minute": 52}
